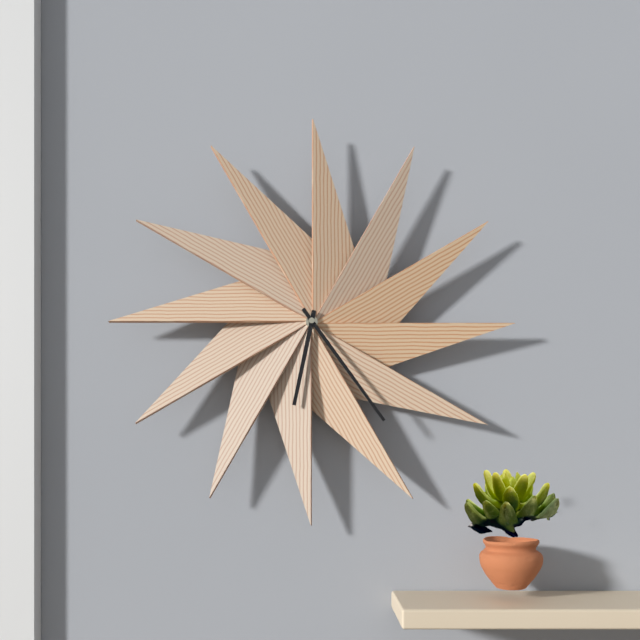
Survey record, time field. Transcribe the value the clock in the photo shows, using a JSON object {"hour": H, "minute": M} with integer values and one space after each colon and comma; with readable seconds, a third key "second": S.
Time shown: {"hour": 6, "minute": 24}
